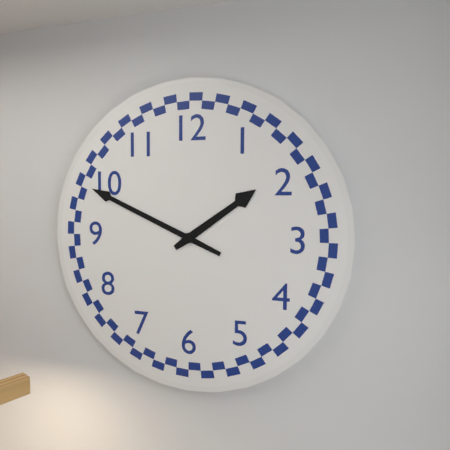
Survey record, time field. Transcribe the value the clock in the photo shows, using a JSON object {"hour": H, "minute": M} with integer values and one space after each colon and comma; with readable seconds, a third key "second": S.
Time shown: {"hour": 1, "minute": 49}
